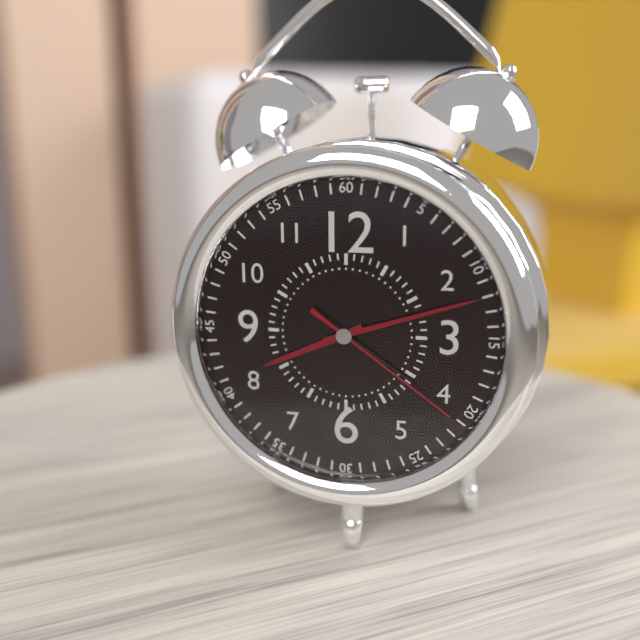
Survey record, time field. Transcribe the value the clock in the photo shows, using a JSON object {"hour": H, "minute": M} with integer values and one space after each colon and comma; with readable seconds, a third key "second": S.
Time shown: {"hour": 8, "minute": 12, "second": 21}
